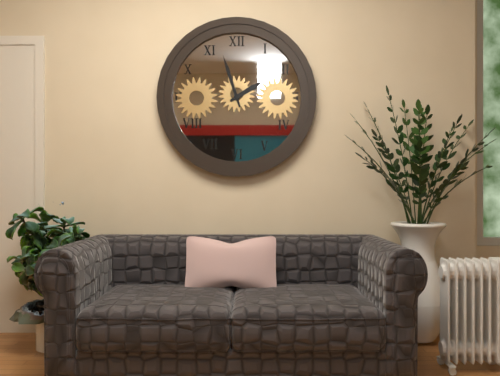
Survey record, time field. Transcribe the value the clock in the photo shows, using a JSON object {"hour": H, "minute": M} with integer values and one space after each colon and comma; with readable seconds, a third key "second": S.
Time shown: {"hour": 1, "minute": 57}
